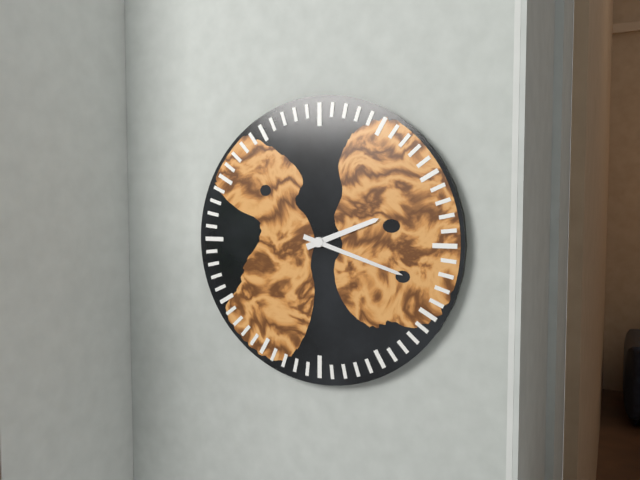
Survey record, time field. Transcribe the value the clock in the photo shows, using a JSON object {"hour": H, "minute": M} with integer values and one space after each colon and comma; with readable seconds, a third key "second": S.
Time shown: {"hour": 2, "minute": 18}
